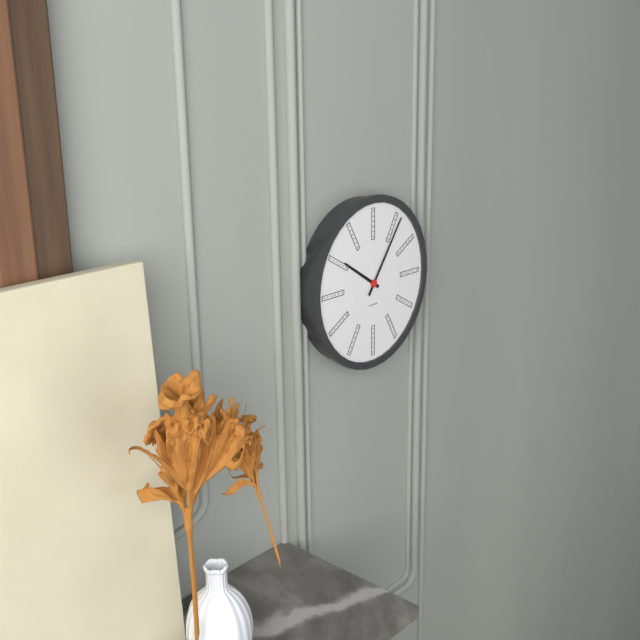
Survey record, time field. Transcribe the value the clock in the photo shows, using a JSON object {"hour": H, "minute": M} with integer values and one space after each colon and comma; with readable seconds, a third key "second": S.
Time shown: {"hour": 10, "minute": 6}
